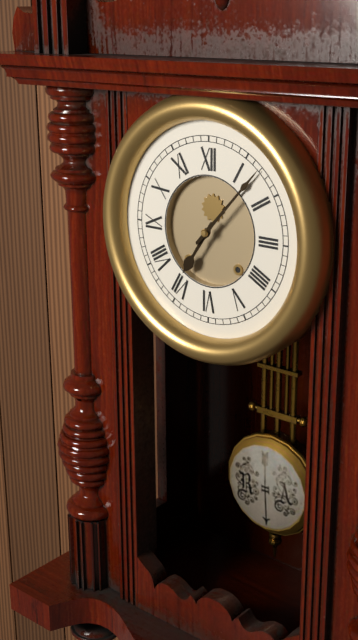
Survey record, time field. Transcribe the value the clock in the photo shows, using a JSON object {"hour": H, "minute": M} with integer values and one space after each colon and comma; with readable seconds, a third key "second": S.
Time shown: {"hour": 7, "minute": 7}
